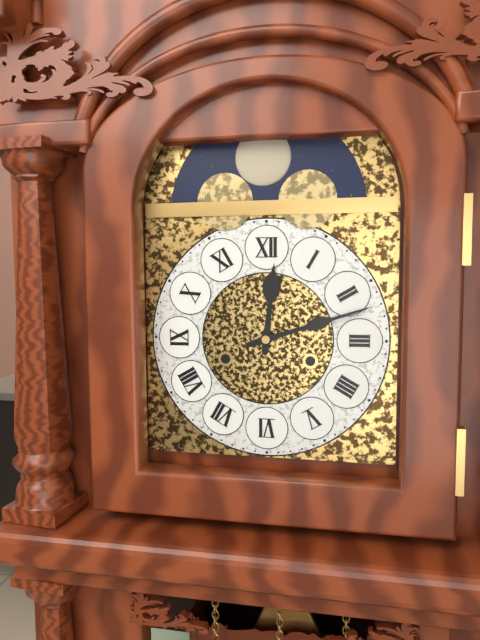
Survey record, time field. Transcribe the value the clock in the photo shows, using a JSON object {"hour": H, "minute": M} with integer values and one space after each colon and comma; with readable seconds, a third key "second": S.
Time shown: {"hour": 12, "minute": 12}
